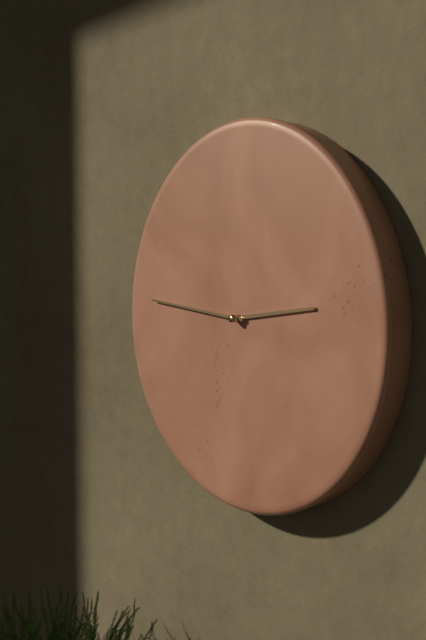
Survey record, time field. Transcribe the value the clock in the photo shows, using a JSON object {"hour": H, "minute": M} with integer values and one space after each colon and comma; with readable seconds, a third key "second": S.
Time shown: {"hour": 2, "minute": 46}
